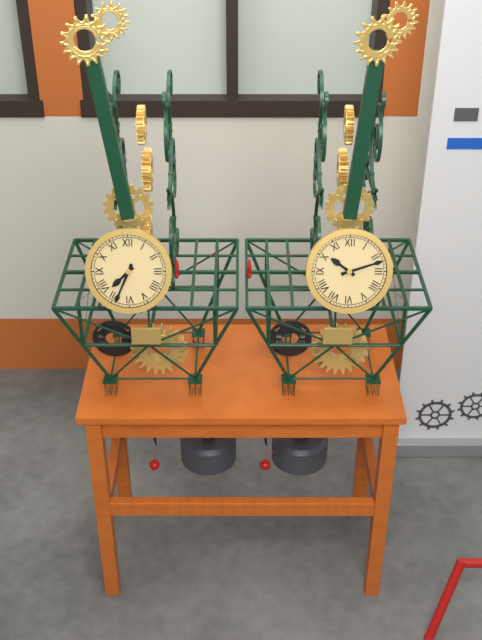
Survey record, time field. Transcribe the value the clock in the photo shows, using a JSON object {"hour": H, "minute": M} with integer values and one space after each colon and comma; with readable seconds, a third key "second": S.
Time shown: {"hour": 7, "minute": 34}
